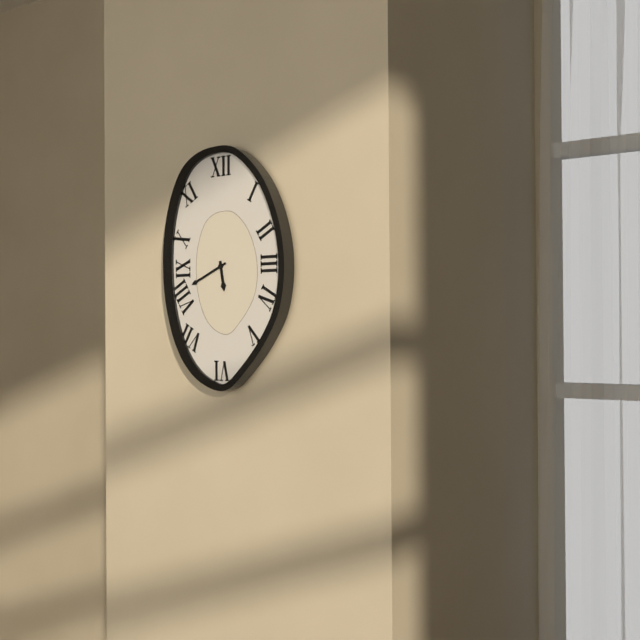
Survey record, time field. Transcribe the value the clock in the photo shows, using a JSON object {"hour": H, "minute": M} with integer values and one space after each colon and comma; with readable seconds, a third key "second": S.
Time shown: {"hour": 5, "minute": 41}
